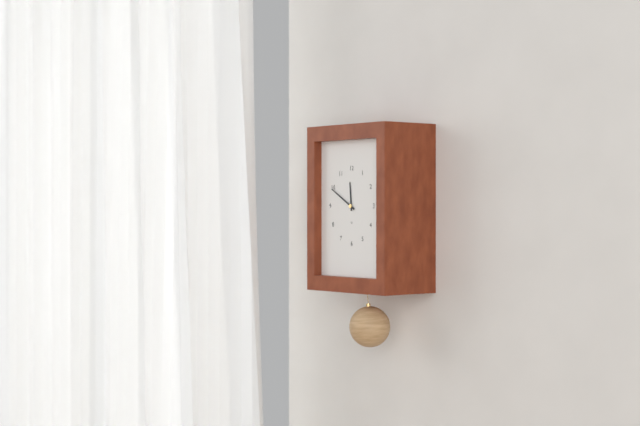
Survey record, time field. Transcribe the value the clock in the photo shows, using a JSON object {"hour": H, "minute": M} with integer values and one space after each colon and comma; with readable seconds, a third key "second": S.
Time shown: {"hour": 11, "minute": 50}
